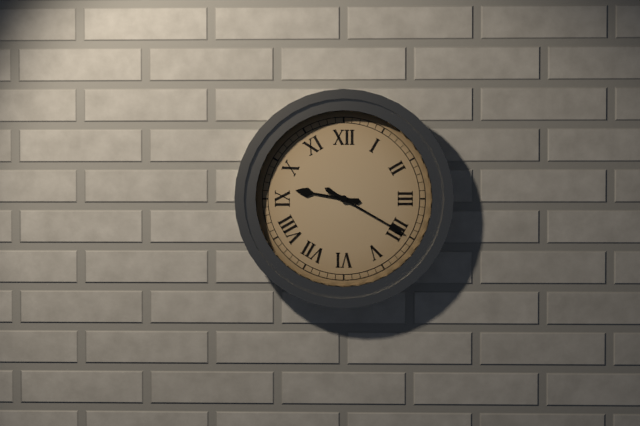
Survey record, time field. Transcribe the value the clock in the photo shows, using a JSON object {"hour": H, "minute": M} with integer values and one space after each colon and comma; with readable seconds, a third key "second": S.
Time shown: {"hour": 9, "minute": 20}
